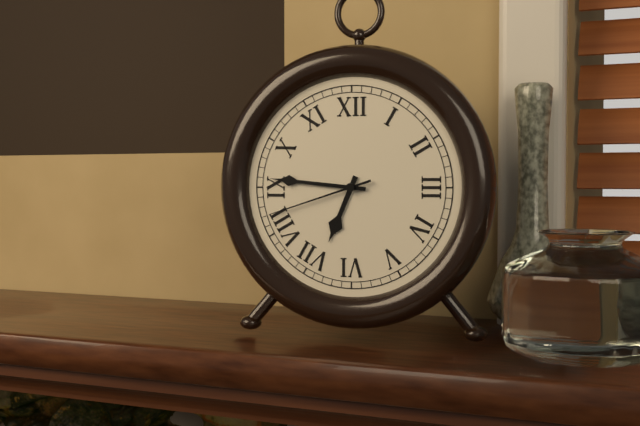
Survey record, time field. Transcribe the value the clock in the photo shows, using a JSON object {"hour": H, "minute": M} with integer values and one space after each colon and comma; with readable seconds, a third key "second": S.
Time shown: {"hour": 6, "minute": 46, "second": 42}
